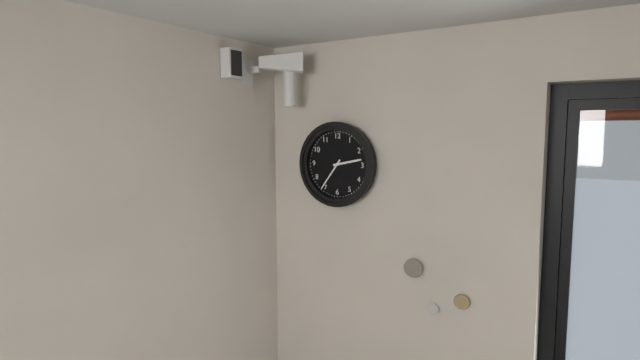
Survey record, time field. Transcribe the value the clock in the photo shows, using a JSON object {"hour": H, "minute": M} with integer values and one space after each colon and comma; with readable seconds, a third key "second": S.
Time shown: {"hour": 2, "minute": 36}
